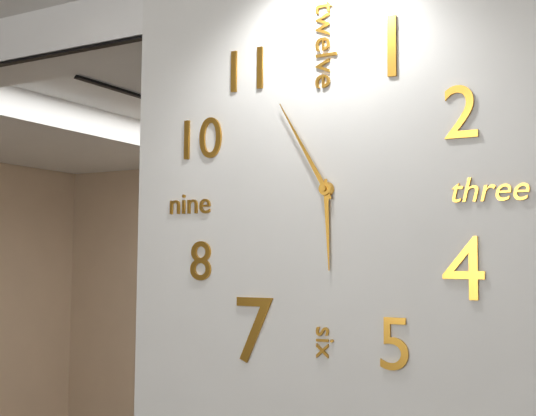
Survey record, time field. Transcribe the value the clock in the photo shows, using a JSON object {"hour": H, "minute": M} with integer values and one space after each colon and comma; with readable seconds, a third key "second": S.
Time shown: {"hour": 5, "minute": 55}
